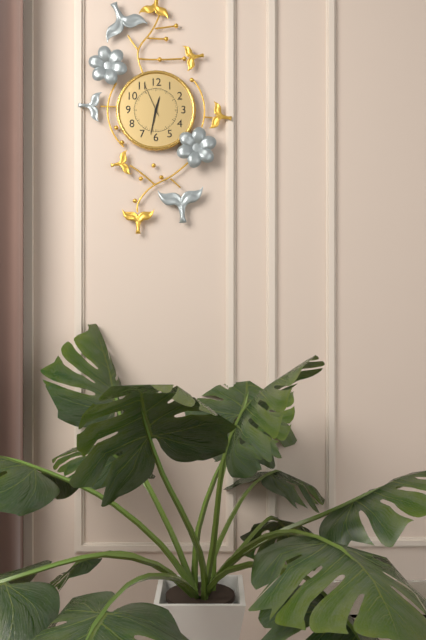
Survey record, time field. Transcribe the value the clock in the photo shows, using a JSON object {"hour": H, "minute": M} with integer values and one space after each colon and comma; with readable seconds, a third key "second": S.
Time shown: {"hour": 12, "minute": 32}
